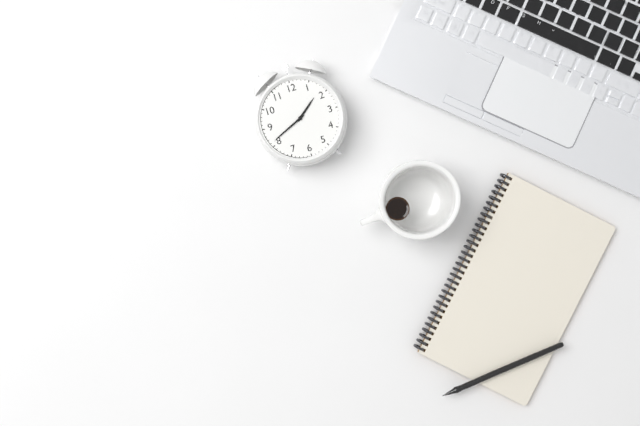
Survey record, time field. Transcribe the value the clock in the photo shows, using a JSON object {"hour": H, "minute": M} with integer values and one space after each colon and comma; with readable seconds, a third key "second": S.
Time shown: {"hour": 1, "minute": 41}
